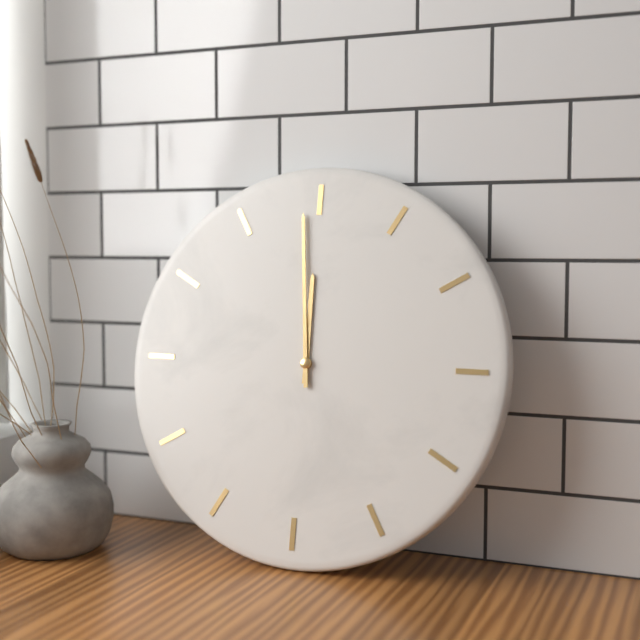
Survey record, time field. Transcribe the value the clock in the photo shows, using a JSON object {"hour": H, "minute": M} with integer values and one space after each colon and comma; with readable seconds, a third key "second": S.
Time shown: {"hour": 11, "minute": 59}
